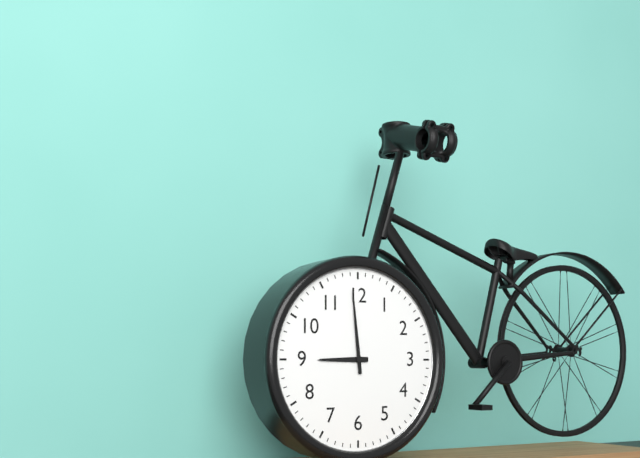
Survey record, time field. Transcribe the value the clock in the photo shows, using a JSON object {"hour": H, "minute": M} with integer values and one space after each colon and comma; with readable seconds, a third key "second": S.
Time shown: {"hour": 8, "minute": 59}
